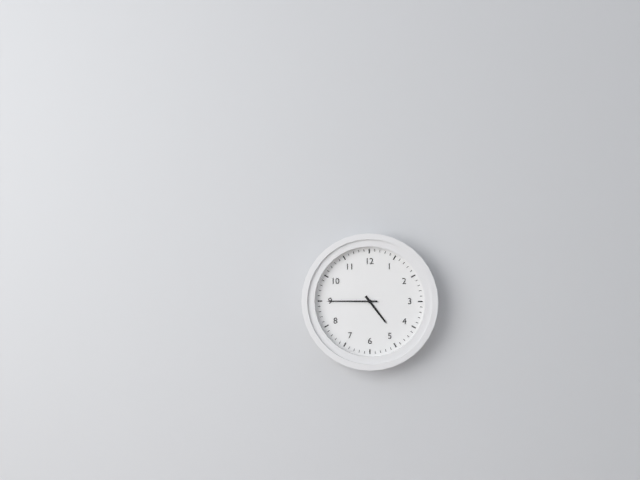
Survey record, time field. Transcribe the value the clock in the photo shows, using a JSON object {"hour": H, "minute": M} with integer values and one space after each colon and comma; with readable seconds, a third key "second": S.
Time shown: {"hour": 4, "minute": 45}
